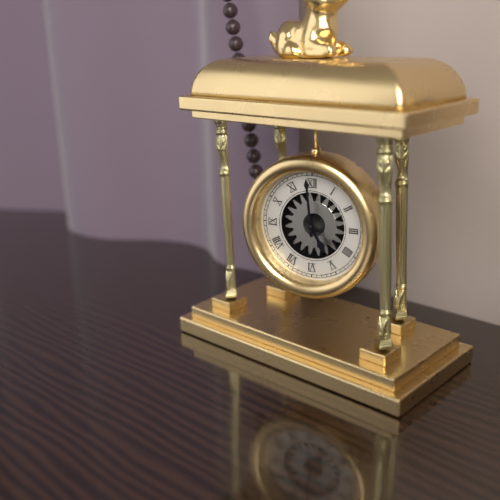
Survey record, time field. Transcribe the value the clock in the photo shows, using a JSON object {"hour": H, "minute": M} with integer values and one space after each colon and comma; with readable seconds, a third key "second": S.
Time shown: {"hour": 4, "minute": 59}
